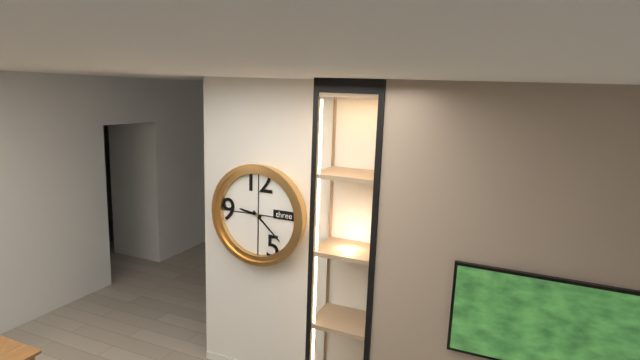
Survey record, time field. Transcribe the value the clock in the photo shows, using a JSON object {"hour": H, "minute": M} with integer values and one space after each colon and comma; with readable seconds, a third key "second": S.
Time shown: {"hour": 9, "minute": 22}
